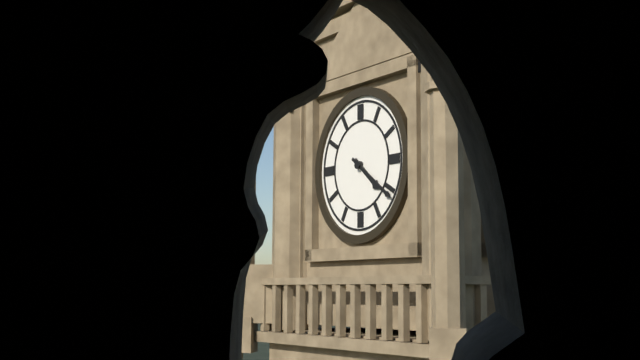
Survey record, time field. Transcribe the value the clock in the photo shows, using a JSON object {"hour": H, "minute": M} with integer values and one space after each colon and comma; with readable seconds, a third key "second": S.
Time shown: {"hour": 4, "minute": 21}
